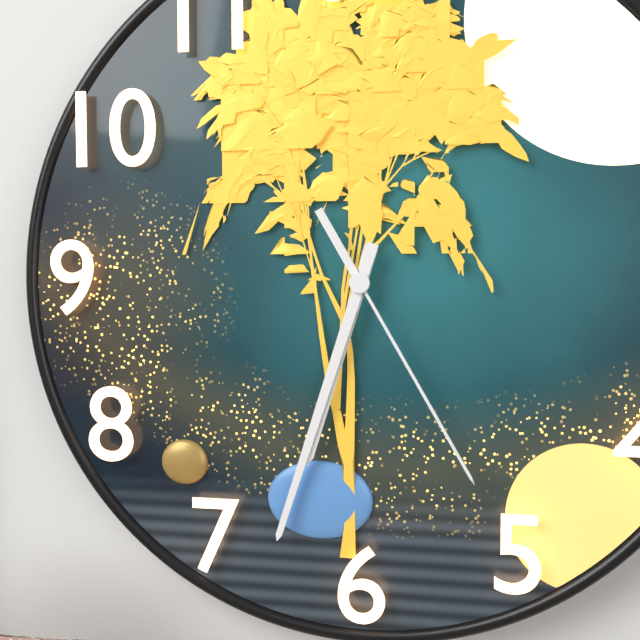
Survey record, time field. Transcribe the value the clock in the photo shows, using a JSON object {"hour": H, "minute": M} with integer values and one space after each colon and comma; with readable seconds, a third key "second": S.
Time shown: {"hour": 6, "minute": 33, "second": 25}
